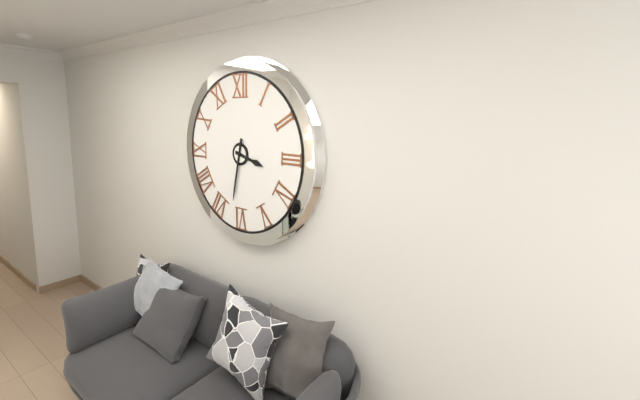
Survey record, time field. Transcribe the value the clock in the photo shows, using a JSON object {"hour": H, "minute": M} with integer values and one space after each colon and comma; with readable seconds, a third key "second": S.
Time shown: {"hour": 3, "minute": 32}
